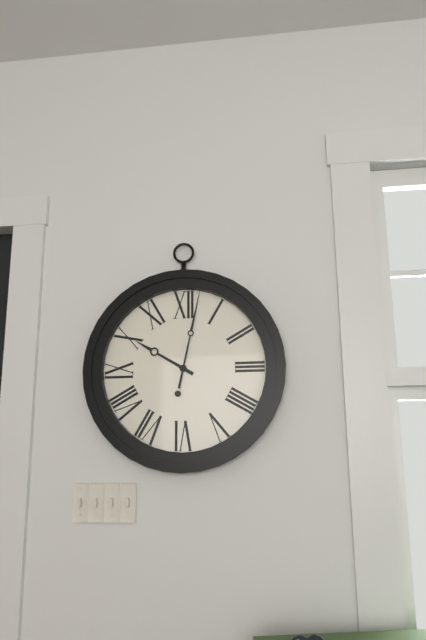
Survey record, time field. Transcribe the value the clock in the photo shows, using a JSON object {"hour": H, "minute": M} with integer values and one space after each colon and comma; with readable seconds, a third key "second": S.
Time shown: {"hour": 10, "minute": 2}
